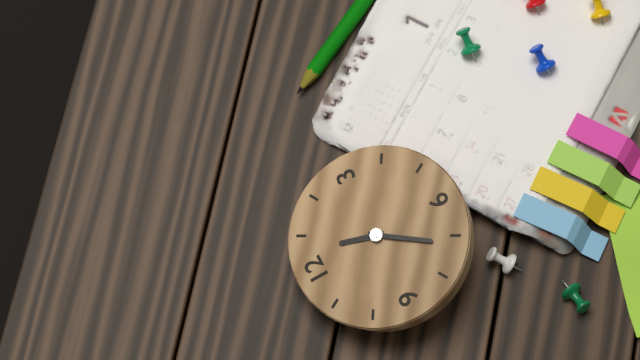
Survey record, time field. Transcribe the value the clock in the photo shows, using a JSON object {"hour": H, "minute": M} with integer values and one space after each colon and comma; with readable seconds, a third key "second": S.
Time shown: {"hour": 12, "minute": 36}
